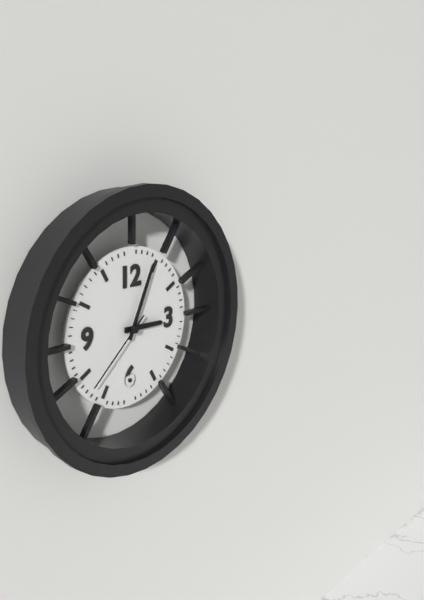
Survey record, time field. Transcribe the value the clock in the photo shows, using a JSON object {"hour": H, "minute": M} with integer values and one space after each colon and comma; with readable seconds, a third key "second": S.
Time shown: {"hour": 3, "minute": 4, "second": 38}
